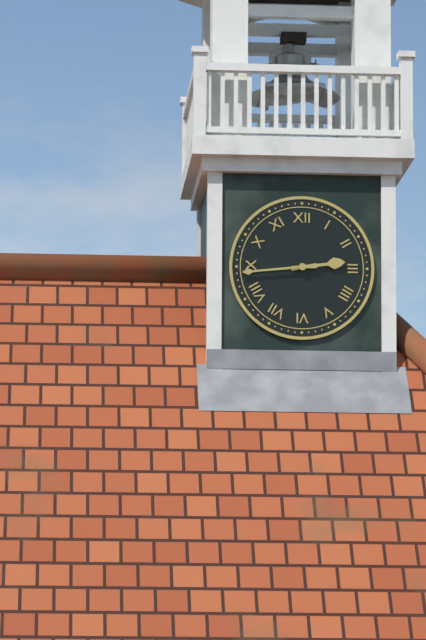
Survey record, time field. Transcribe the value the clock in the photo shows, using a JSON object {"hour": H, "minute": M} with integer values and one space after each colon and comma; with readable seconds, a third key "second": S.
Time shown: {"hour": 2, "minute": 44}
